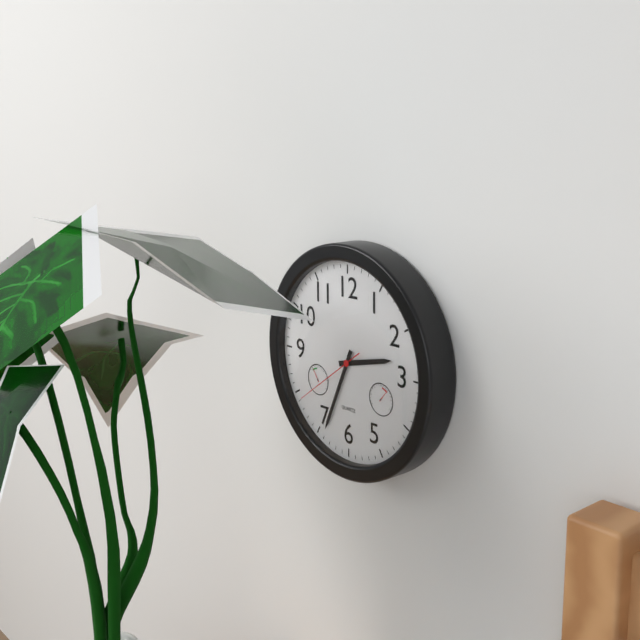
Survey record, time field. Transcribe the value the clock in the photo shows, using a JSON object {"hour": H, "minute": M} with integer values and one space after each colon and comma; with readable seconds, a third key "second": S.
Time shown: {"hour": 2, "minute": 34, "second": 39}
